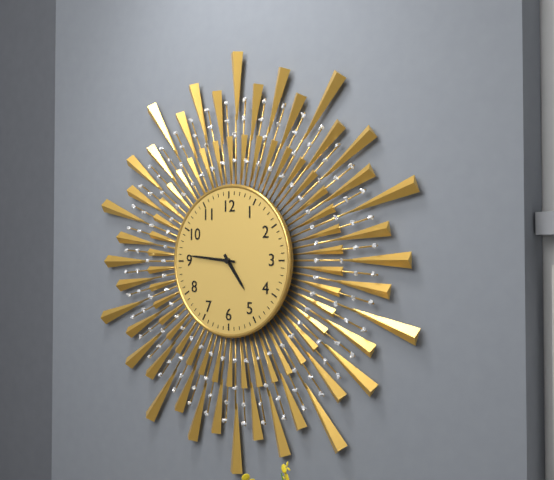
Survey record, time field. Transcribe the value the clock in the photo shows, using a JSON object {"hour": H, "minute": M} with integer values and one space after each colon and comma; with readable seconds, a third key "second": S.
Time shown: {"hour": 4, "minute": 46}
